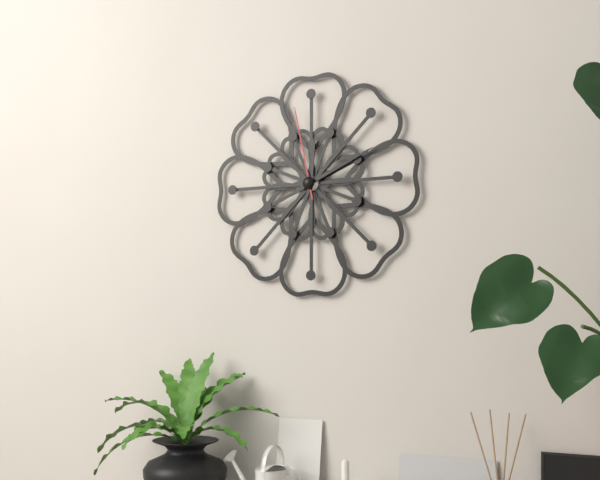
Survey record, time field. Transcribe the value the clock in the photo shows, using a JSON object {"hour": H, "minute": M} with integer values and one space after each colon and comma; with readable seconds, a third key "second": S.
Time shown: {"hour": 12, "minute": 11, "second": 58}
